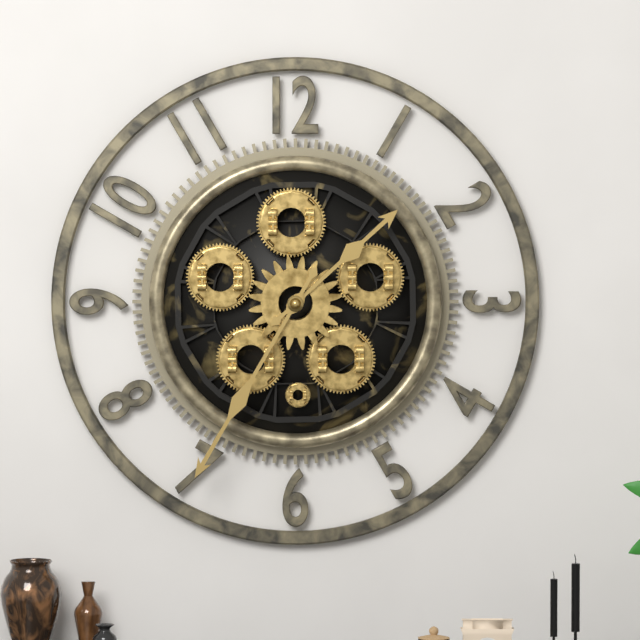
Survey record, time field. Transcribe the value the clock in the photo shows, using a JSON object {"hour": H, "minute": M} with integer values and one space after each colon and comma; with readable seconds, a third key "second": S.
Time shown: {"hour": 1, "minute": 35}
